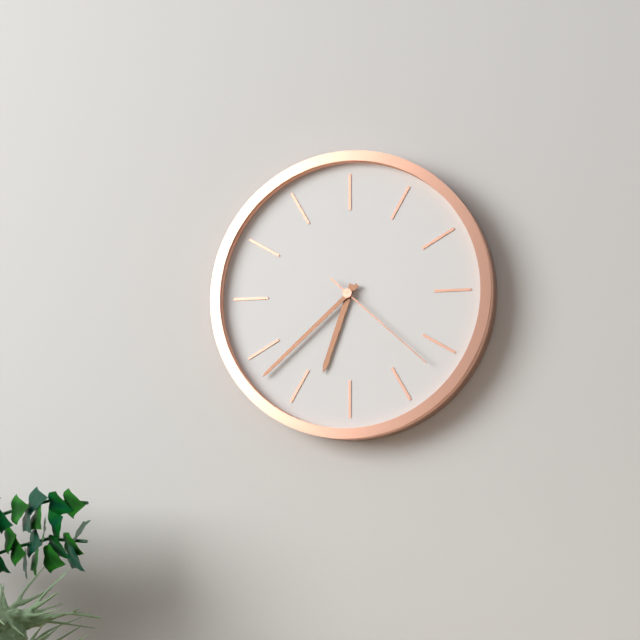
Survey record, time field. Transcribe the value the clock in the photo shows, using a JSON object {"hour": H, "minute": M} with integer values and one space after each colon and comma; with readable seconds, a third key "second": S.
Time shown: {"hour": 6, "minute": 38, "second": 22}
